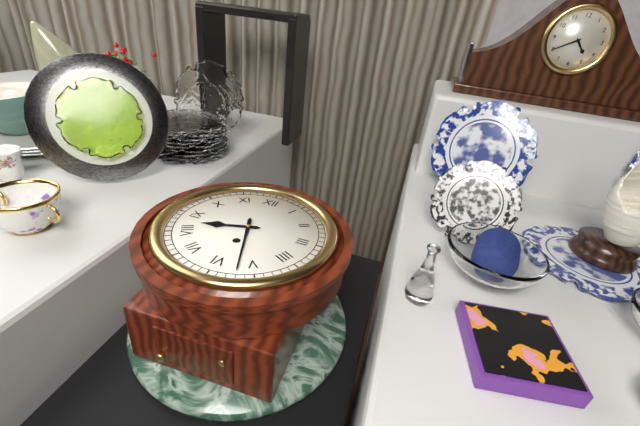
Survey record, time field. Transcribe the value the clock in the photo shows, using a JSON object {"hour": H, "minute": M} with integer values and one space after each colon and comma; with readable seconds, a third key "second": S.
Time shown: {"hour": 8, "minute": 27}
